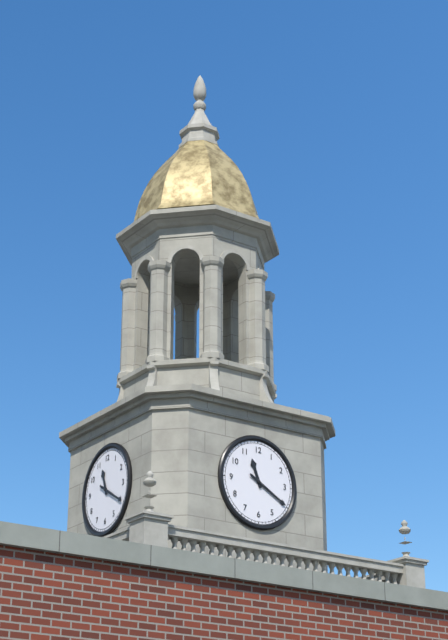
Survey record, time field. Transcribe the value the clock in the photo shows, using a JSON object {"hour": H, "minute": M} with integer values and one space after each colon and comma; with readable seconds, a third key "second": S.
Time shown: {"hour": 11, "minute": 20}
